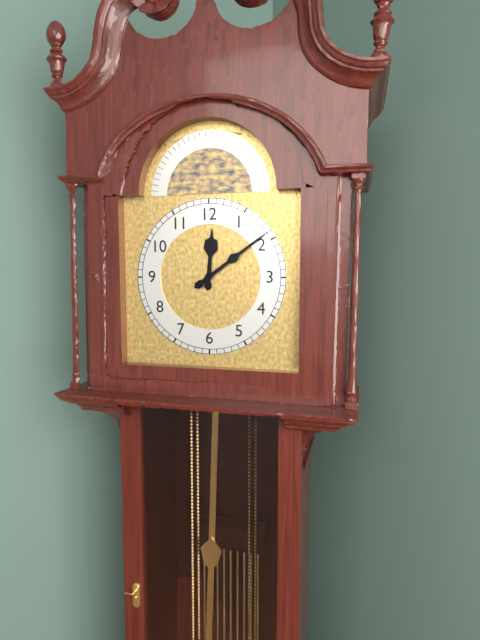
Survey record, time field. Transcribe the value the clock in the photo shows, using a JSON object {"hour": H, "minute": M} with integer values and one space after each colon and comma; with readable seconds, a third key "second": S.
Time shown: {"hour": 12, "minute": 9}
